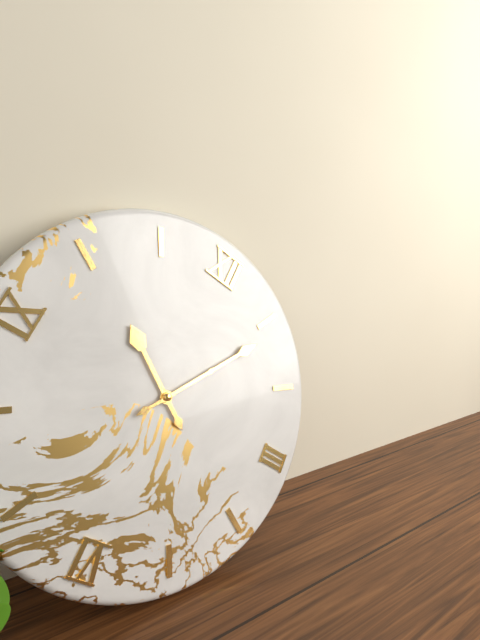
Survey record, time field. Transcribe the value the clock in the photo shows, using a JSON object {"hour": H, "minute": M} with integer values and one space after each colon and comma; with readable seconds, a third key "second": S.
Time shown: {"hour": 10, "minute": 6}
